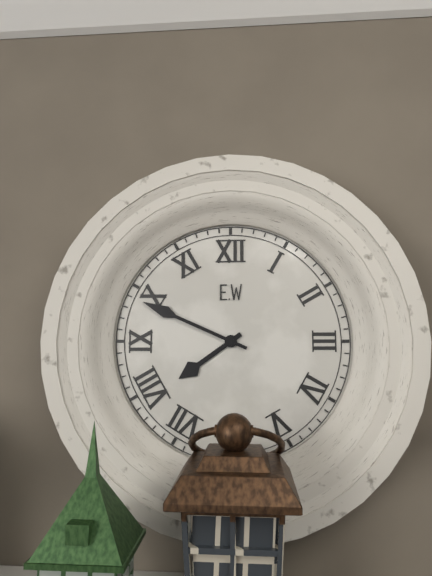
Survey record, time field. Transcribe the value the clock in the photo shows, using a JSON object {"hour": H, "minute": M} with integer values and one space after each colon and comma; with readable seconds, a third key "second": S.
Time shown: {"hour": 7, "minute": 49}
